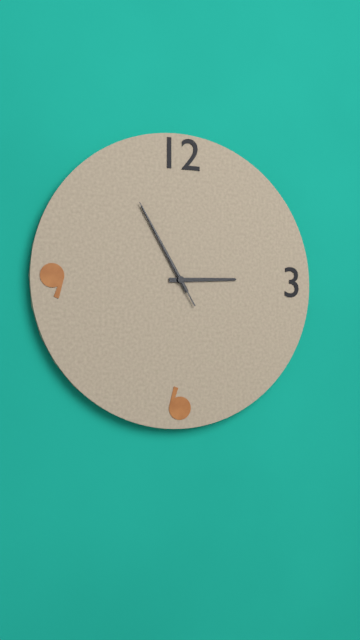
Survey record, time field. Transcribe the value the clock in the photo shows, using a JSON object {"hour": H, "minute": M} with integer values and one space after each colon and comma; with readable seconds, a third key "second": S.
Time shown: {"hour": 2, "minute": 55, "second": 55}
